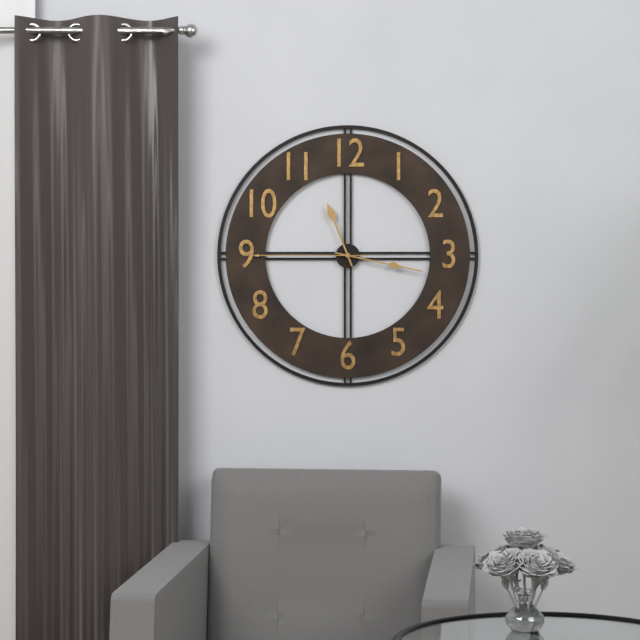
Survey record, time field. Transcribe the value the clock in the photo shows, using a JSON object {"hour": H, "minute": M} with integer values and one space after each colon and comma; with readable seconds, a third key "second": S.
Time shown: {"hour": 11, "minute": 17, "second": 45}
